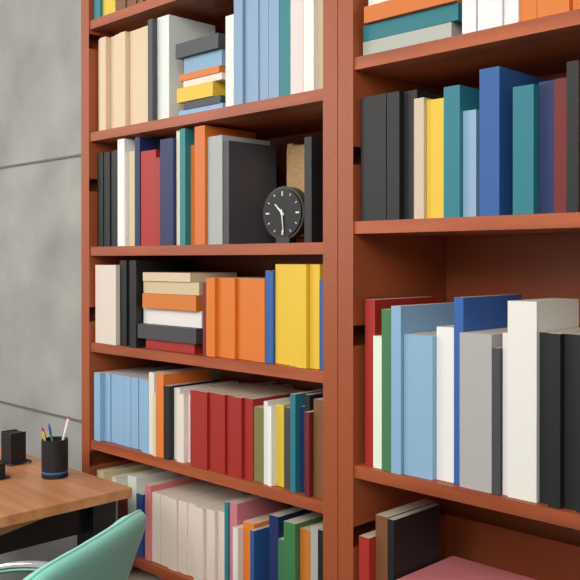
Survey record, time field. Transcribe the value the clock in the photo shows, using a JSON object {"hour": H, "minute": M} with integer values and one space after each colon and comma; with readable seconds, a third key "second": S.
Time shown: {"hour": 10, "minute": 29}
